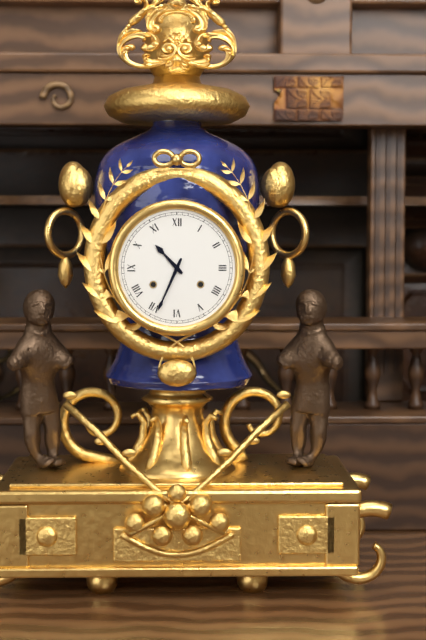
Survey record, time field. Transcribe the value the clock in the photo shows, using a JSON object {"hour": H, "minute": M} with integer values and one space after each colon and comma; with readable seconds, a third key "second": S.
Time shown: {"hour": 10, "minute": 34}
